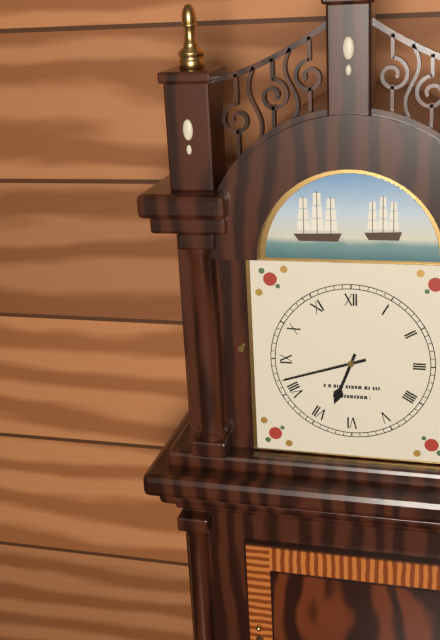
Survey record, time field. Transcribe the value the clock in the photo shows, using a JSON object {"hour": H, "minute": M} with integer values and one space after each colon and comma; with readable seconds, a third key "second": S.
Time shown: {"hour": 6, "minute": 42}
